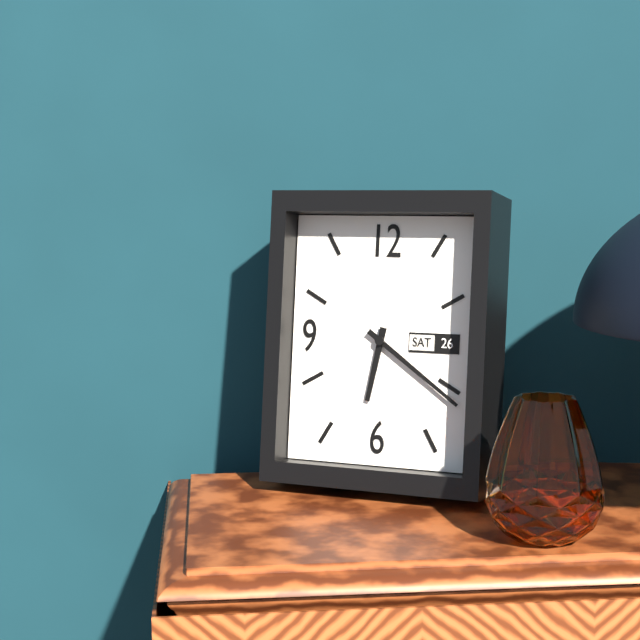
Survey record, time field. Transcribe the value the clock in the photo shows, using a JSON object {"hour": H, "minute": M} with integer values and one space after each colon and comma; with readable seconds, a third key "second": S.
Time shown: {"hour": 6, "minute": 21}
